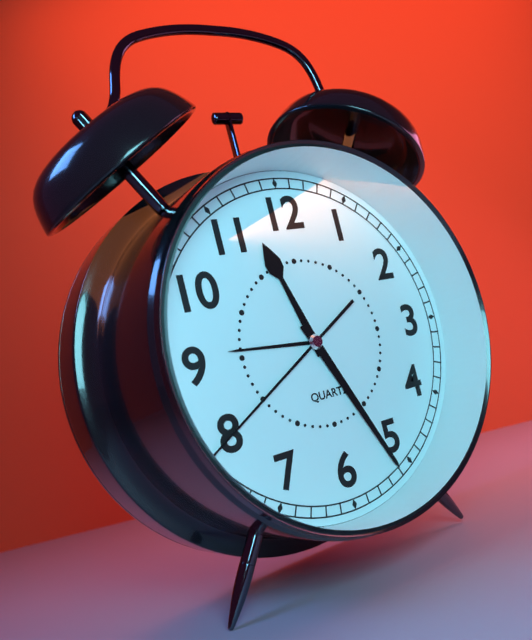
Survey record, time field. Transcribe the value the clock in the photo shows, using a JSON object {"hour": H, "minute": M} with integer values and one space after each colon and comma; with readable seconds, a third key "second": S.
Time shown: {"hour": 11, "minute": 26, "second": 40}
